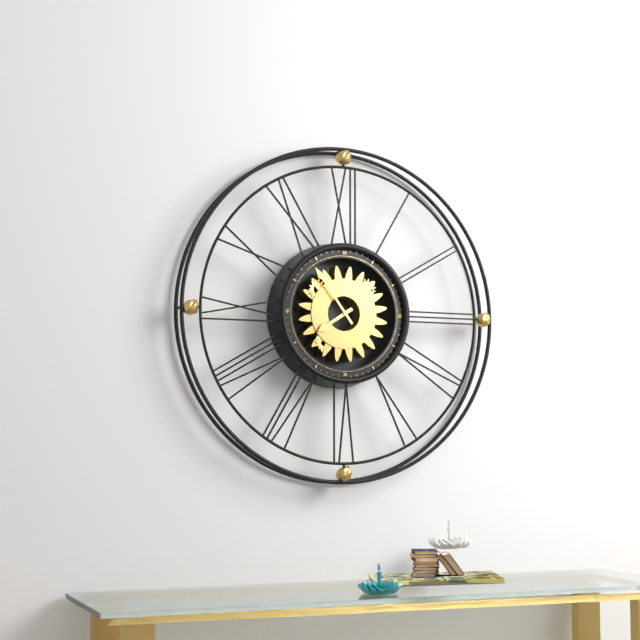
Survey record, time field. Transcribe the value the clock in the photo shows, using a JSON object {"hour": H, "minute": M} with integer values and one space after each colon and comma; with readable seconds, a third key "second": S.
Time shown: {"hour": 7, "minute": 54}
